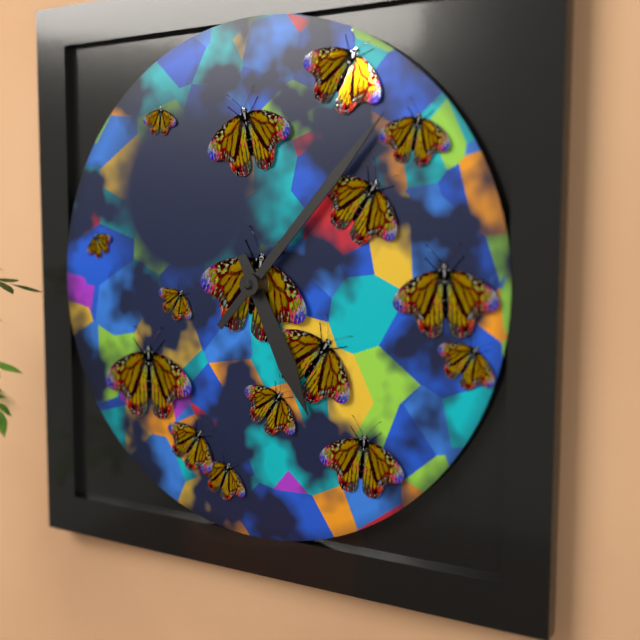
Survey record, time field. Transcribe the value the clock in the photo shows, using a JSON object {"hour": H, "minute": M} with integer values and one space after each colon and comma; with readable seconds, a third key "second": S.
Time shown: {"hour": 5, "minute": 7}
